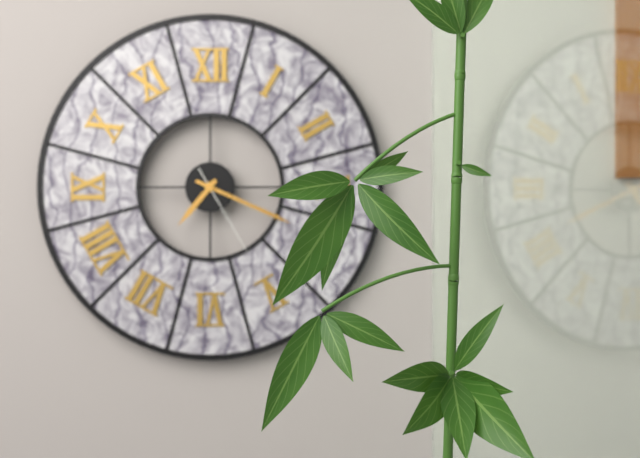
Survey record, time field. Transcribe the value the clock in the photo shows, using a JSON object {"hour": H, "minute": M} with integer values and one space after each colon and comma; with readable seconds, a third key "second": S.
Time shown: {"hour": 7, "minute": 19, "second": 25}
